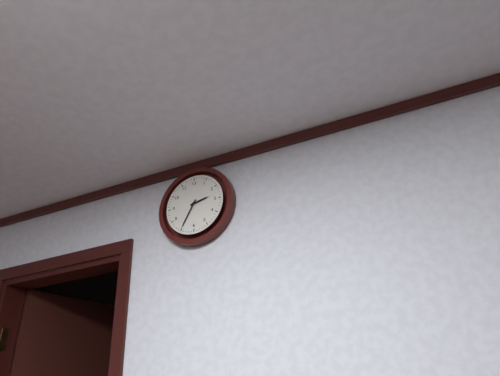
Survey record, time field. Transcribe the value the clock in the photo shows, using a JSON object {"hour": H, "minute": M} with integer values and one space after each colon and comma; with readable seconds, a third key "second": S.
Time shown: {"hour": 2, "minute": 35}
